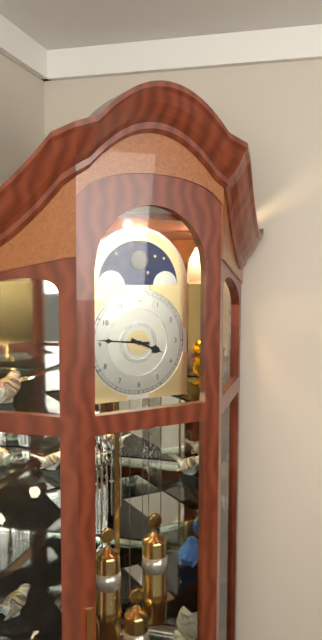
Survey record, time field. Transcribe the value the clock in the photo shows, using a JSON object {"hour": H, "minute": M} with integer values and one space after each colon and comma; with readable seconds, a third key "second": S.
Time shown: {"hour": 3, "minute": 46}
